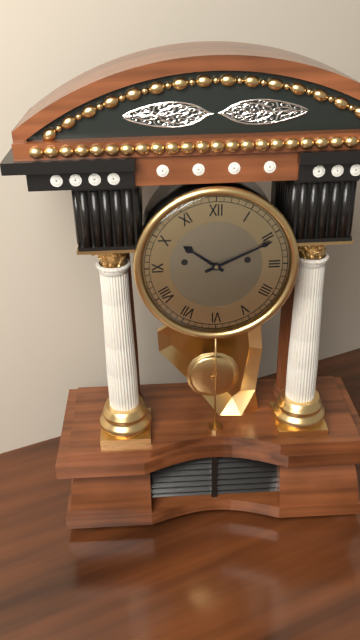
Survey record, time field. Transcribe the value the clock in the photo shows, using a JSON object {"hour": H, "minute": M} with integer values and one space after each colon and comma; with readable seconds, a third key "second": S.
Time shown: {"hour": 10, "minute": 11}
